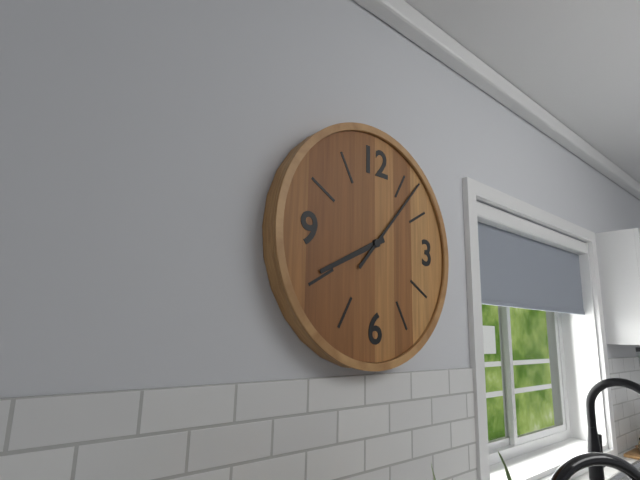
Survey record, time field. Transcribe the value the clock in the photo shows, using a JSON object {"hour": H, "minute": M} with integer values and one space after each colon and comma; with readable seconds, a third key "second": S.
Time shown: {"hour": 8, "minute": 7}
